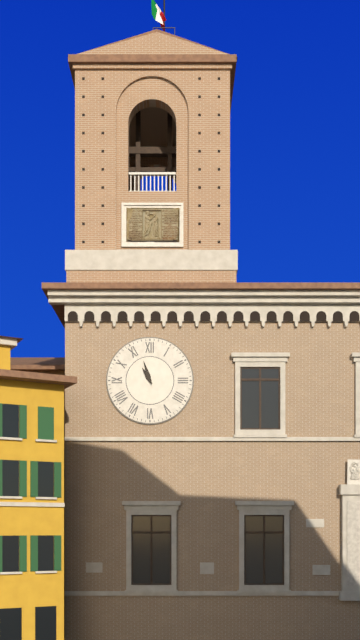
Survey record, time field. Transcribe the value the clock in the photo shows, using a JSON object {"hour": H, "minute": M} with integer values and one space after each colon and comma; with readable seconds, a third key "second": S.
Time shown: {"hour": 10, "minute": 57}
